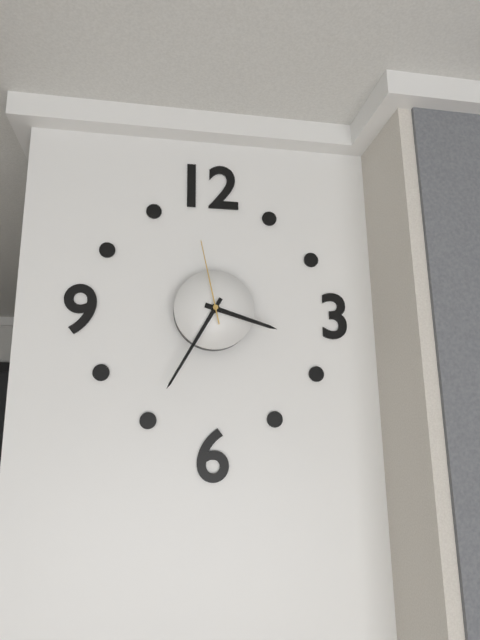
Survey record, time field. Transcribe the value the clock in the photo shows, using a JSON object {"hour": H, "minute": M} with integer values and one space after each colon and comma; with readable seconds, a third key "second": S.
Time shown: {"hour": 3, "minute": 35, "second": 58}
